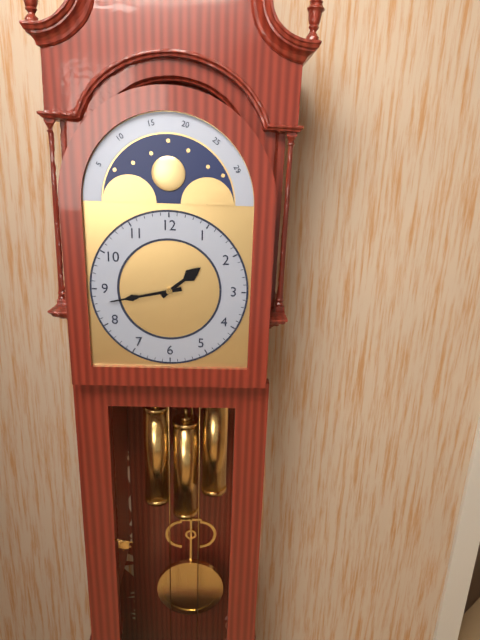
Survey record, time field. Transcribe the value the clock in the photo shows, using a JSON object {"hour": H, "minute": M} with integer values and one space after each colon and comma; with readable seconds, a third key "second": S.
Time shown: {"hour": 1, "minute": 43}
